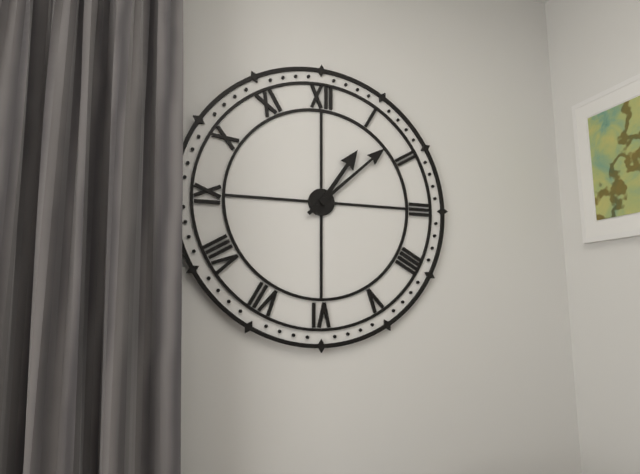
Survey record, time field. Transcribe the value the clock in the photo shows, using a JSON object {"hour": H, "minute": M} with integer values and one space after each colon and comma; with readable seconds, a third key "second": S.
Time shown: {"hour": 1, "minute": 8}
